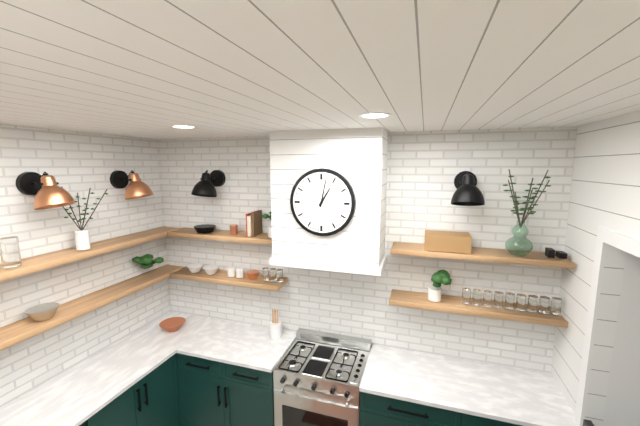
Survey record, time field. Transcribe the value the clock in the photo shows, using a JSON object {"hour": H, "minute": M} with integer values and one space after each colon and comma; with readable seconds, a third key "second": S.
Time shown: {"hour": 1, "minute": 2}
